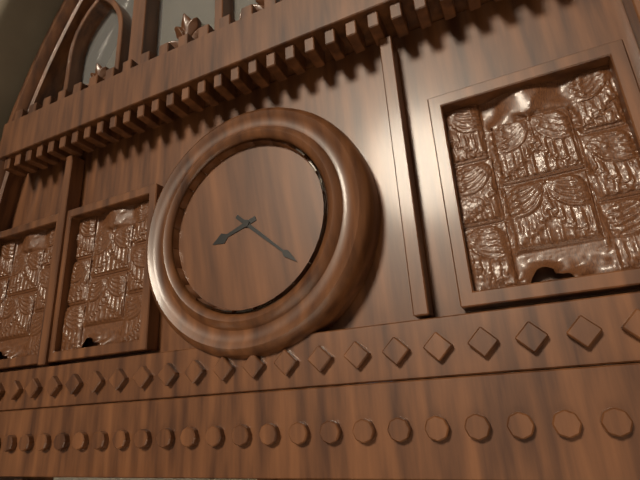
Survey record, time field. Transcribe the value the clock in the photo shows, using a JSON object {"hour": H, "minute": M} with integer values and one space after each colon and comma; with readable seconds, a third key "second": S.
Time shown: {"hour": 8, "minute": 22}
